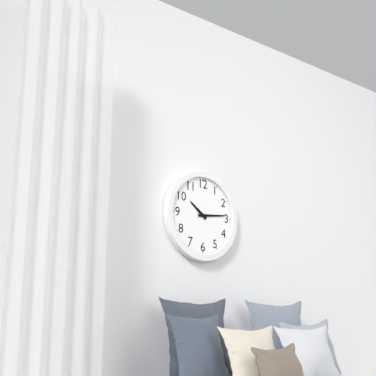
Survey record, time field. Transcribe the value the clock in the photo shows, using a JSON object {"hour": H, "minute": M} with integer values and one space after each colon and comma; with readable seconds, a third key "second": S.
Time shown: {"hour": 10, "minute": 14}
